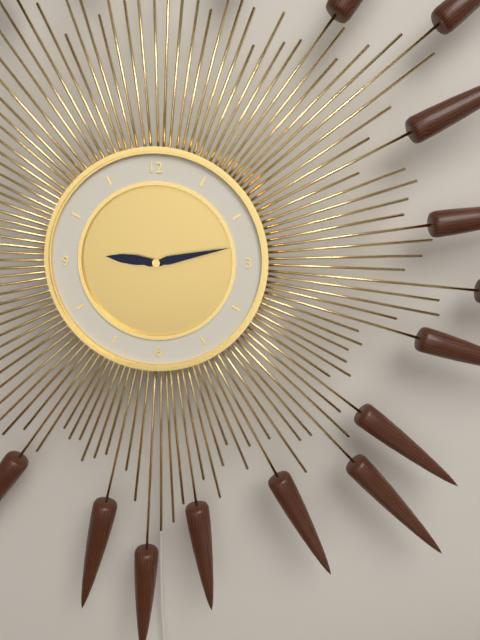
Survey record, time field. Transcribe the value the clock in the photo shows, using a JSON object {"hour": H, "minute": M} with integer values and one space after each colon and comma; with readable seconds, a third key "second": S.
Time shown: {"hour": 9, "minute": 13}
